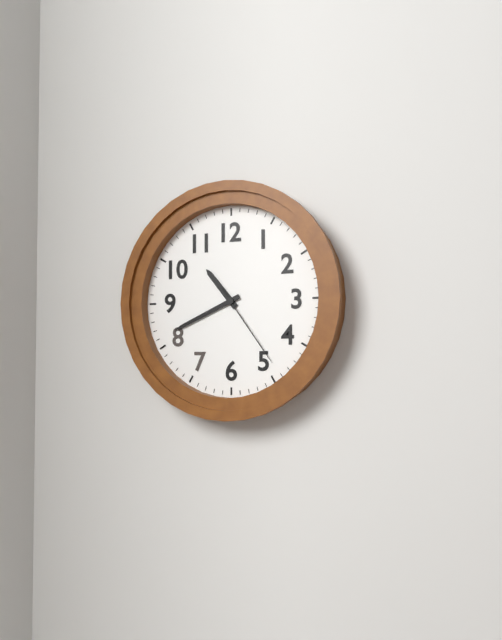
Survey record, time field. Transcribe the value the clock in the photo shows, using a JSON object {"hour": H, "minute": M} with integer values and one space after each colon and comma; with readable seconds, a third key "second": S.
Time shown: {"hour": 10, "minute": 41, "second": 24}
